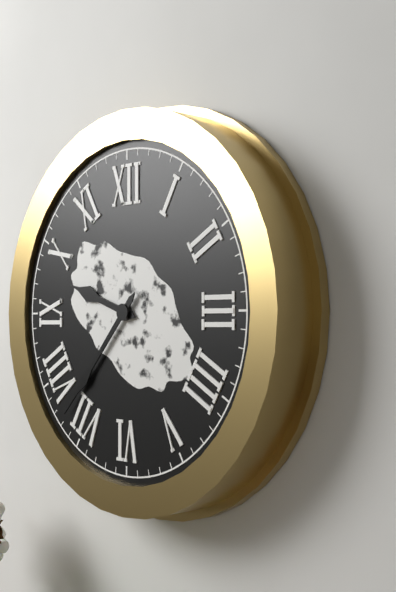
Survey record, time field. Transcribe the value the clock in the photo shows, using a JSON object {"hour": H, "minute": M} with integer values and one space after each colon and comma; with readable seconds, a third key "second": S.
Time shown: {"hour": 9, "minute": 37}
